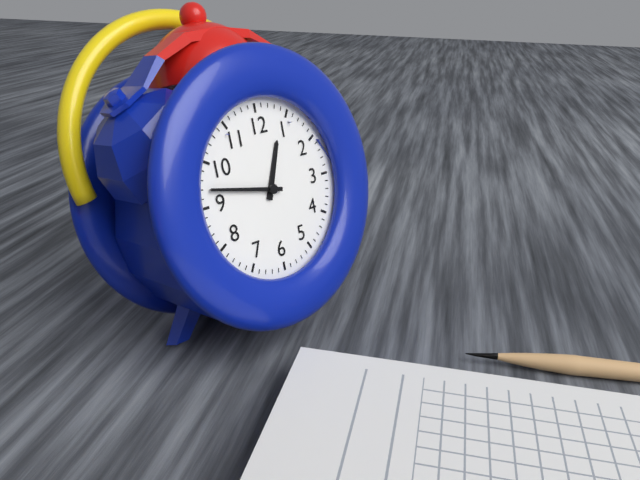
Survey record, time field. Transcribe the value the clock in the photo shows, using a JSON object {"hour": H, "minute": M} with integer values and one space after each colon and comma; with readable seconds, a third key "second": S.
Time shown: {"hour": 12, "minute": 47}
